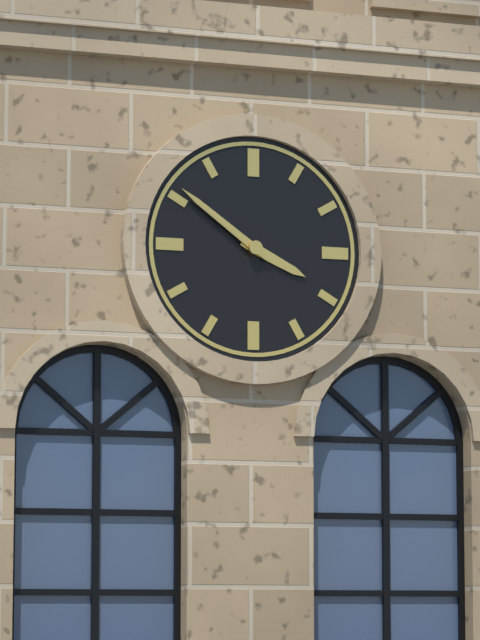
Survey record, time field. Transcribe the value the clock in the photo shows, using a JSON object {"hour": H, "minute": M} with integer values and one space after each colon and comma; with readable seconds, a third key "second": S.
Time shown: {"hour": 3, "minute": 51}
